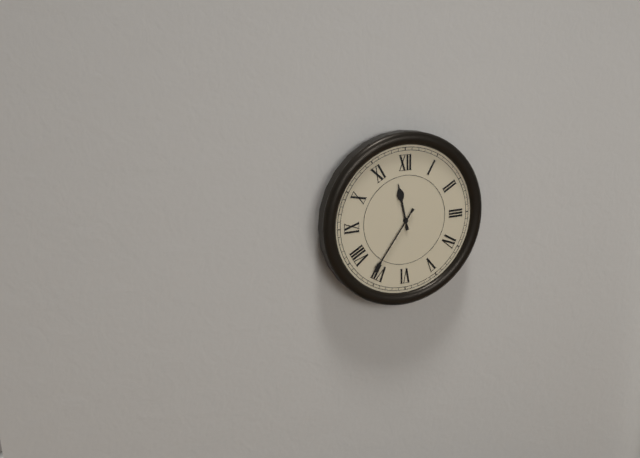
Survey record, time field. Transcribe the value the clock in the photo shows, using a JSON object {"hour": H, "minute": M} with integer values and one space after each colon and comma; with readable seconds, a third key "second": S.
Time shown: {"hour": 11, "minute": 36}
